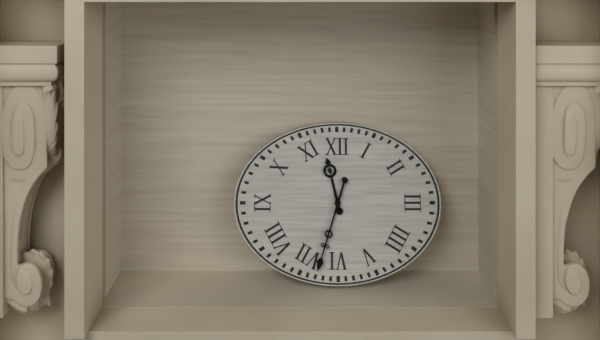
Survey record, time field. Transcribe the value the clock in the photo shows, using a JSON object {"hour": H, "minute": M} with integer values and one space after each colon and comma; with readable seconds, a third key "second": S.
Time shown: {"hour": 11, "minute": 33}
